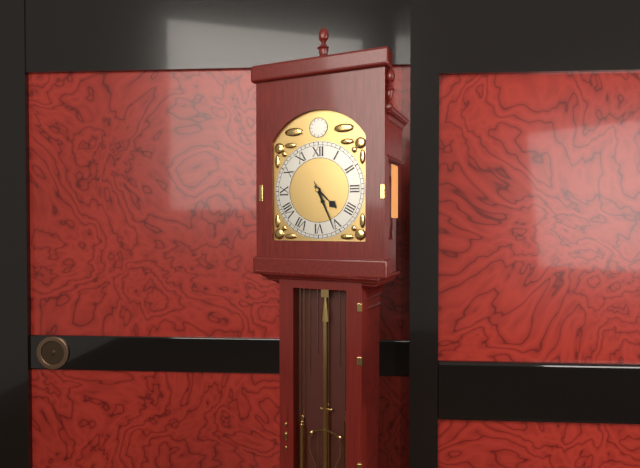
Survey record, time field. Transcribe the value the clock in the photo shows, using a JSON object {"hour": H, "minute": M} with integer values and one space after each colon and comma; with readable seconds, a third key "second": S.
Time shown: {"hour": 4, "minute": 26}
